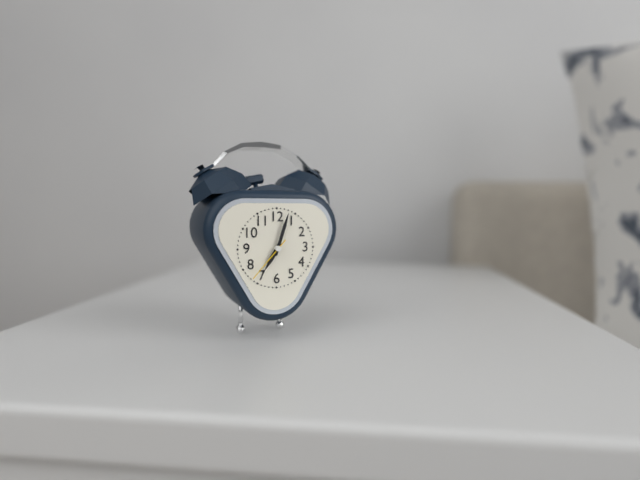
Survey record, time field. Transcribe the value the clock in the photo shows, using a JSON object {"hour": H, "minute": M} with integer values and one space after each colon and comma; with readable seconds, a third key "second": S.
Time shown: {"hour": 7, "minute": 3}
